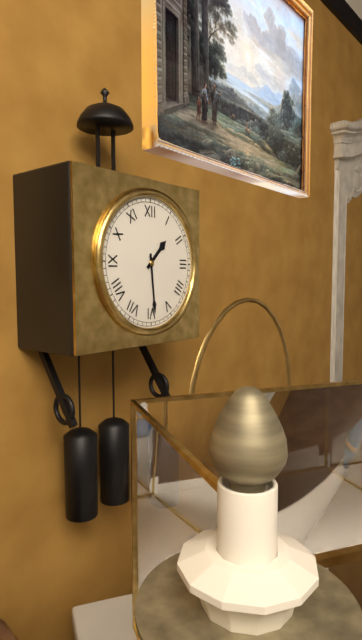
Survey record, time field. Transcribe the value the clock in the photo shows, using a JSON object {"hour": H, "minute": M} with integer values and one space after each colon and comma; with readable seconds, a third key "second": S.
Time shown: {"hour": 1, "minute": 29}
